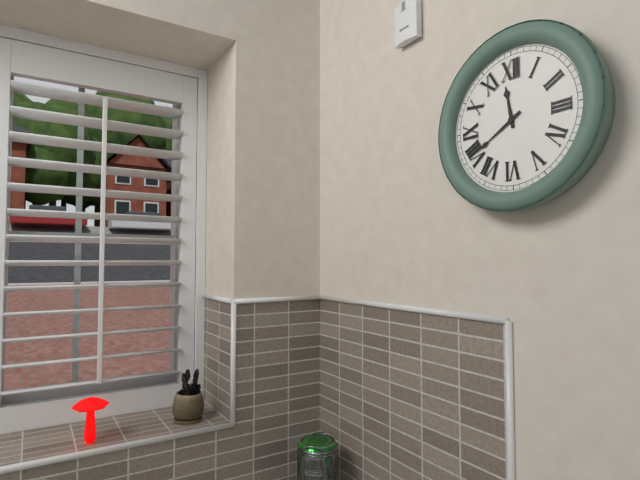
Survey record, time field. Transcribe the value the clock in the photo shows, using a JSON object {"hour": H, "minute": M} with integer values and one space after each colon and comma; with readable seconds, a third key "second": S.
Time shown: {"hour": 11, "minute": 40}
